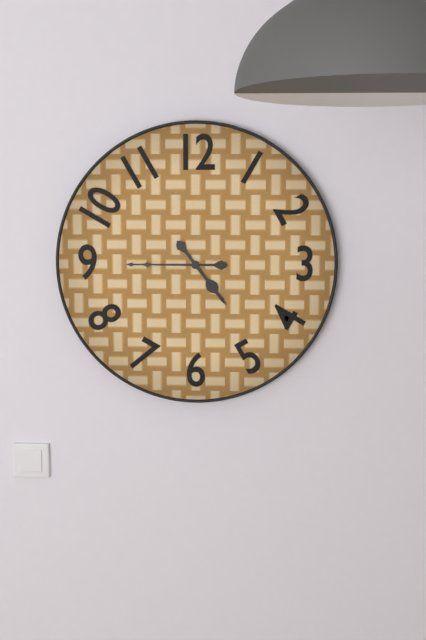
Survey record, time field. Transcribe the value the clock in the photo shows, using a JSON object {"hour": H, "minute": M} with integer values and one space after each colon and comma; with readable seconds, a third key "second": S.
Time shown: {"hour": 4, "minute": 45}
